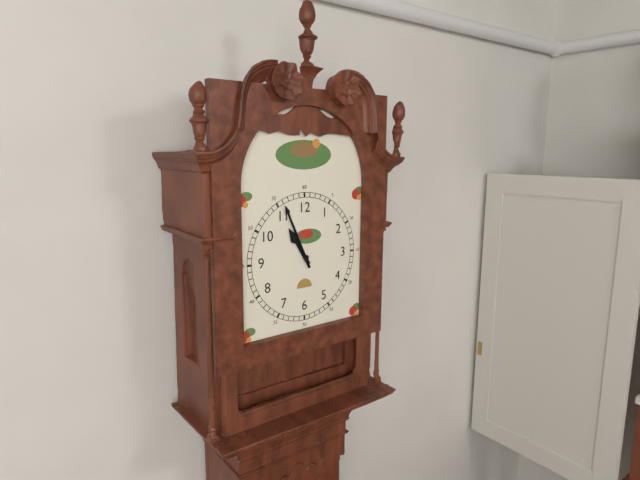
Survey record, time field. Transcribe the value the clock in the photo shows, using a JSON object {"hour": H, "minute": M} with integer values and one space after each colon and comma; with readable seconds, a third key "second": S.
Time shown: {"hour": 10, "minute": 56}
